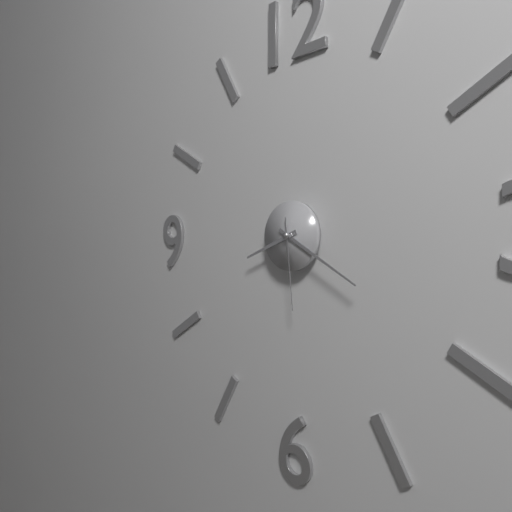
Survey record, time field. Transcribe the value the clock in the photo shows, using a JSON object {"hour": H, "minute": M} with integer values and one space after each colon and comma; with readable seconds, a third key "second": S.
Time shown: {"hour": 8, "minute": 20, "second": 29}
